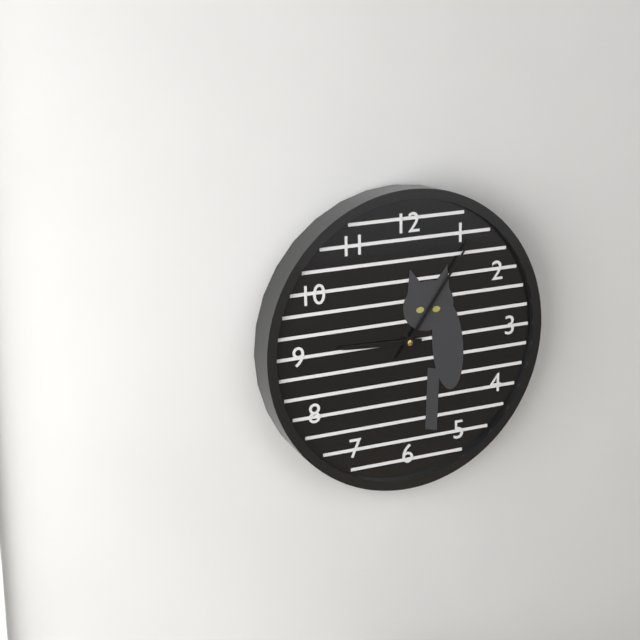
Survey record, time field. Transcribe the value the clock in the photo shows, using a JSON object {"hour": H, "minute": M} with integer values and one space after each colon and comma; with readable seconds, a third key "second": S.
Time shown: {"hour": 9, "minute": 6}
